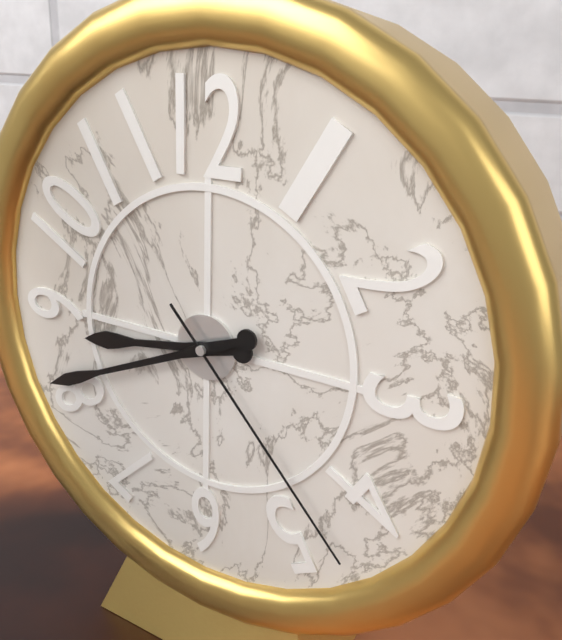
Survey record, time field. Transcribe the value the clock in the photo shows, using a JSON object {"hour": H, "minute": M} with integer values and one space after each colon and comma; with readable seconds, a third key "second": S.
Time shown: {"hour": 8, "minute": 41, "second": 23}
